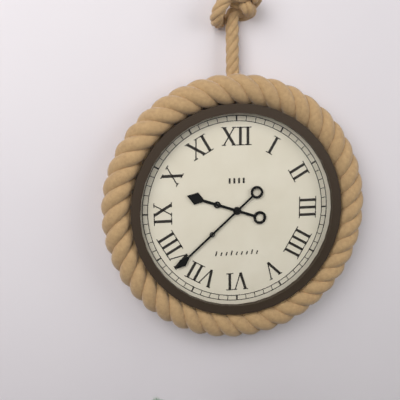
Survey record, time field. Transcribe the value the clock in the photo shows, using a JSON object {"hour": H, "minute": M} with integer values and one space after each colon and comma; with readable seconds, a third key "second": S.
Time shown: {"hour": 9, "minute": 38}
